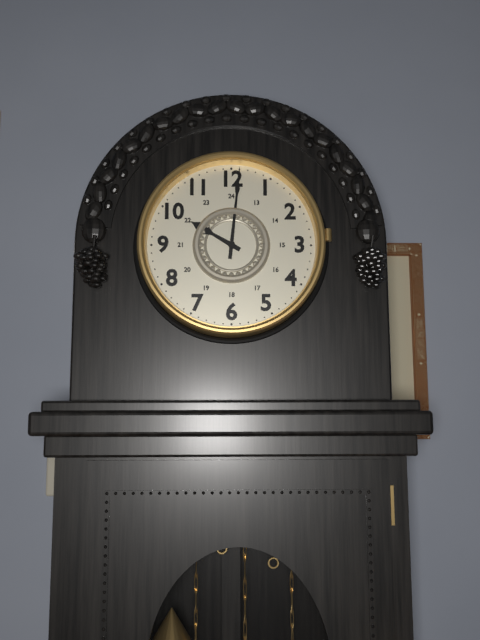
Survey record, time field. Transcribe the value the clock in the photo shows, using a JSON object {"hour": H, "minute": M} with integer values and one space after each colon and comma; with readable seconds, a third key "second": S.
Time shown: {"hour": 10, "minute": 1}
